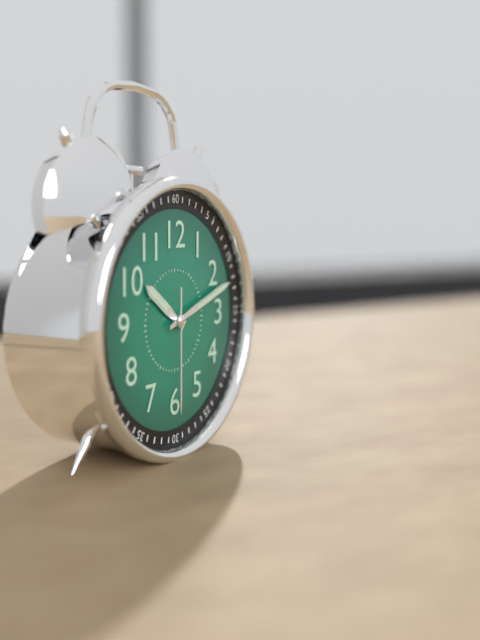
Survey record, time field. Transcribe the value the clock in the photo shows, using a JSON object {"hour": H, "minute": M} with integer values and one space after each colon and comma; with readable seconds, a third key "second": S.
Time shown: {"hour": 10, "minute": 12, "second": 30}
